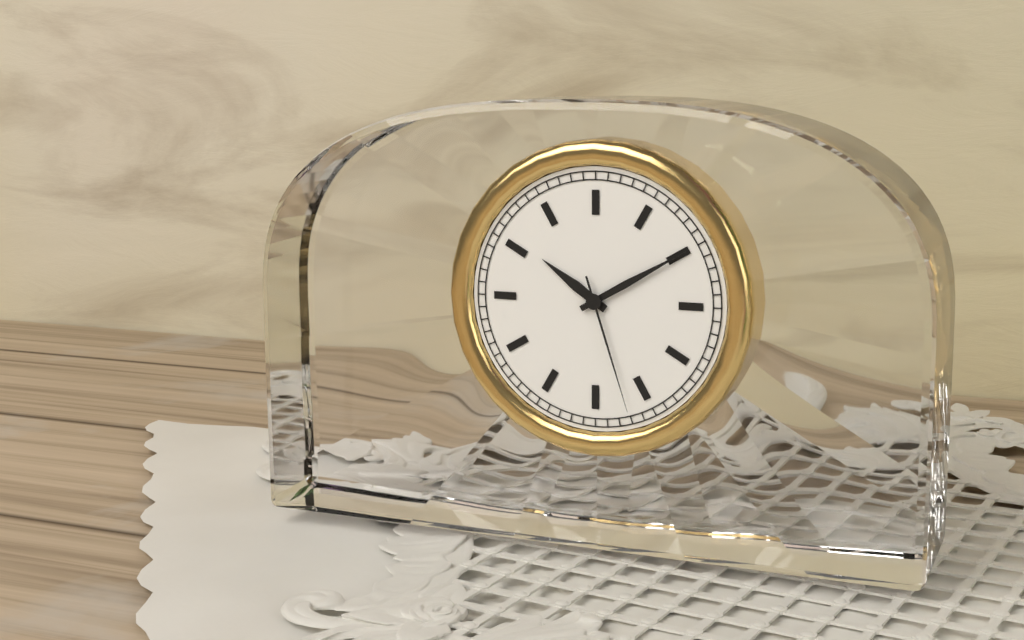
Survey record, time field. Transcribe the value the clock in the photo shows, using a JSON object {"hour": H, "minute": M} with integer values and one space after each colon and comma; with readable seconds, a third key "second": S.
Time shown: {"hour": 10, "minute": 10, "second": 27}
